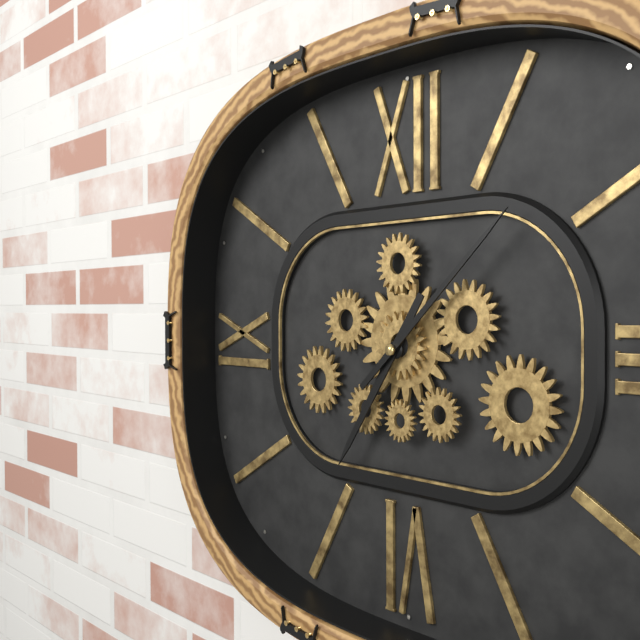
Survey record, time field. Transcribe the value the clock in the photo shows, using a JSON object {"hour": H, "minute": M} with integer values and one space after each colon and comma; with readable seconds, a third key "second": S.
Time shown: {"hour": 7, "minute": 8}
